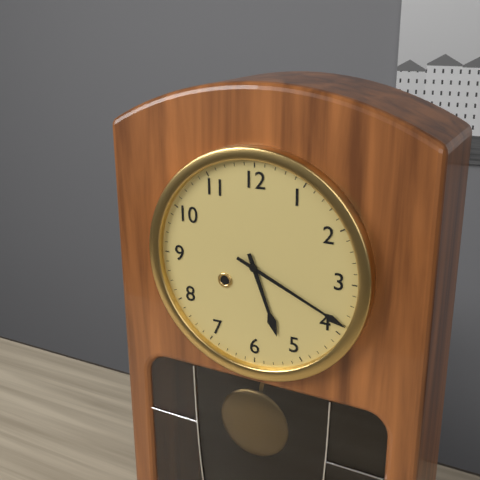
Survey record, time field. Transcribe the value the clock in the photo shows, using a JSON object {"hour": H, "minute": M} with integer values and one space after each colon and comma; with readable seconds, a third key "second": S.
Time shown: {"hour": 5, "minute": 19}
